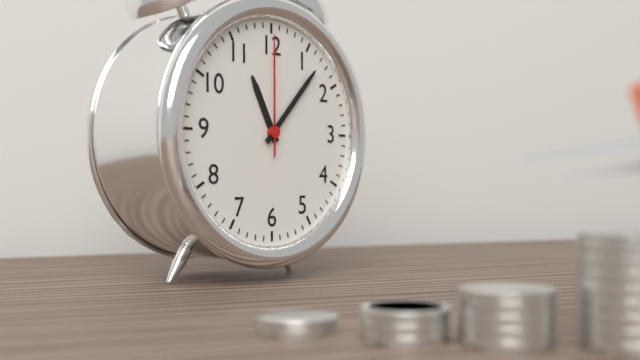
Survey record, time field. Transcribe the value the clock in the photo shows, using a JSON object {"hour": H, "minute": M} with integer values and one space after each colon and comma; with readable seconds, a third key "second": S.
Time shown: {"hour": 11, "minute": 7, "second": 0}
